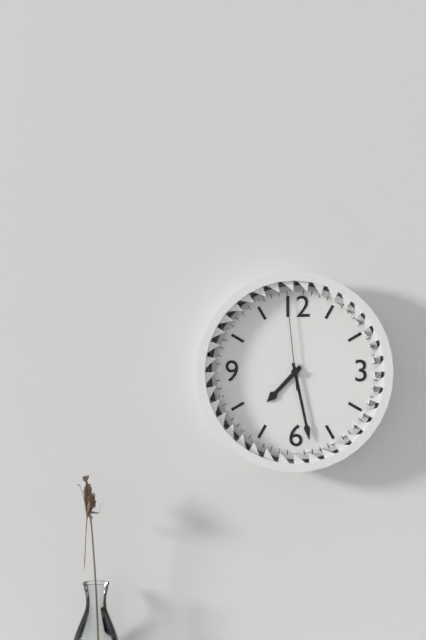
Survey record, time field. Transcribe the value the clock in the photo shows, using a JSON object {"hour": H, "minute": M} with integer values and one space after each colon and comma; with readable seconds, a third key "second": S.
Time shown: {"hour": 7, "minute": 28, "second": 59}
